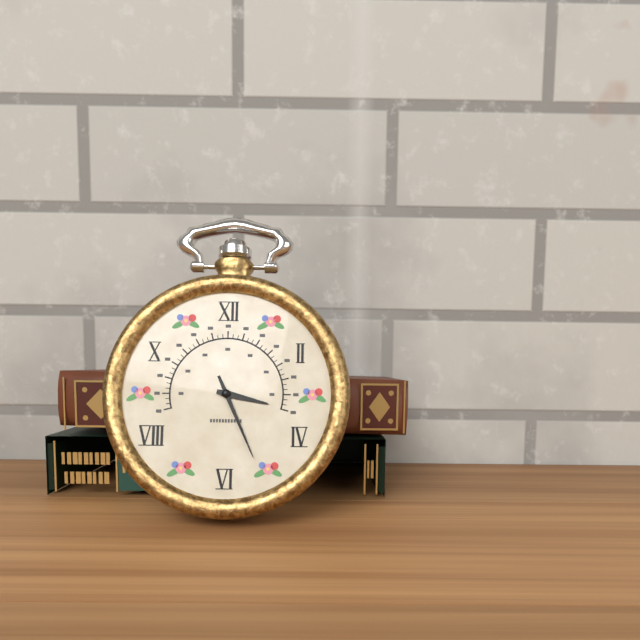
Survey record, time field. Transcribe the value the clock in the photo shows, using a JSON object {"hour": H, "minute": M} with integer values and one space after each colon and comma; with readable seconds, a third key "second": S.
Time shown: {"hour": 3, "minute": 26}
